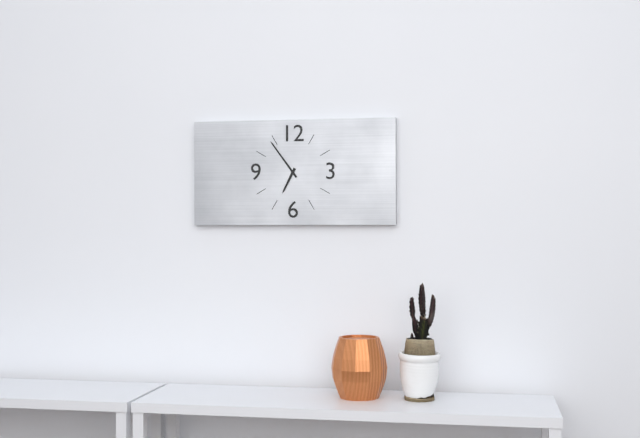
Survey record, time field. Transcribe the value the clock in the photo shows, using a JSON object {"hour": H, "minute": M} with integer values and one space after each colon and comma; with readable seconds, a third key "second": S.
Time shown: {"hour": 6, "minute": 54}
